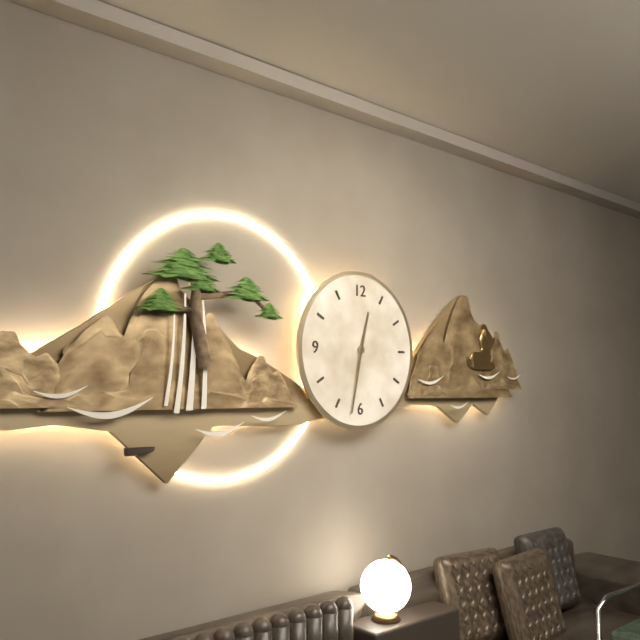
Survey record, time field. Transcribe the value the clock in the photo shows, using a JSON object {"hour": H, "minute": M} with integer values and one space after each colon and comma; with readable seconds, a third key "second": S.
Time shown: {"hour": 12, "minute": 32}
